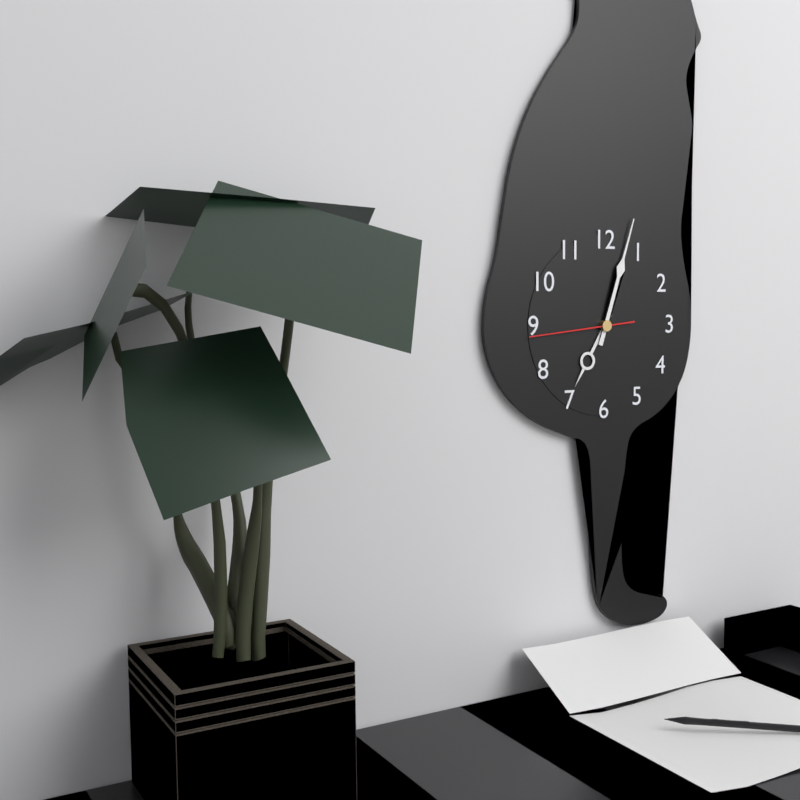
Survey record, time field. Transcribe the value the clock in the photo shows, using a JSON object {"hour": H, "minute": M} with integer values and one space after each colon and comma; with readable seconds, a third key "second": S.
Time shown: {"hour": 7, "minute": 3, "second": 44}
